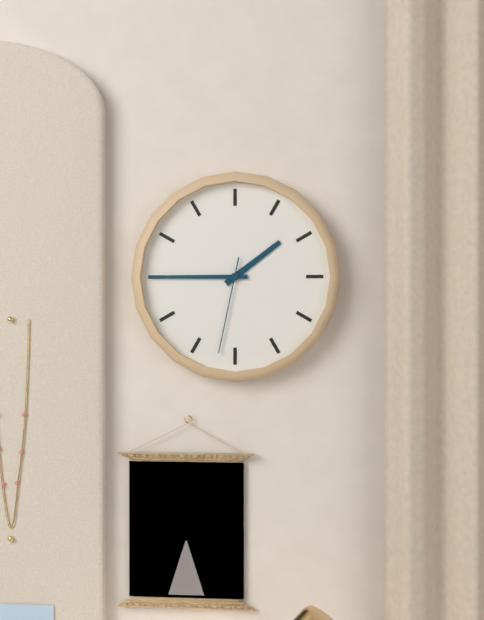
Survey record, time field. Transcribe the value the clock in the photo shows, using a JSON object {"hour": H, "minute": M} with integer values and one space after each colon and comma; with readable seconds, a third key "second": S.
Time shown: {"hour": 1, "minute": 45, "second": 32}
